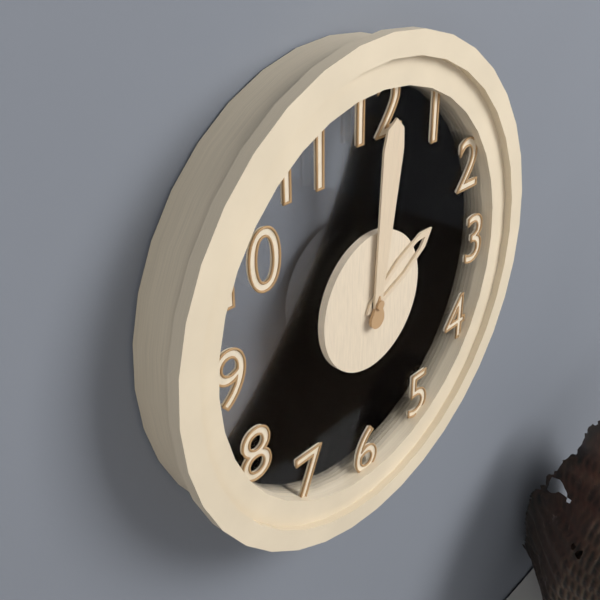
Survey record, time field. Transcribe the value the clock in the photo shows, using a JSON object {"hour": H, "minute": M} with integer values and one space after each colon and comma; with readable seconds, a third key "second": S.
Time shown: {"hour": 2, "minute": 1}
